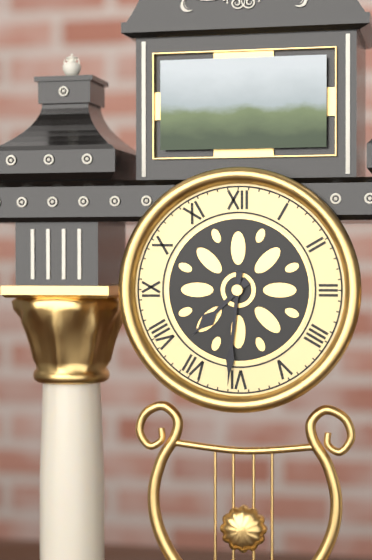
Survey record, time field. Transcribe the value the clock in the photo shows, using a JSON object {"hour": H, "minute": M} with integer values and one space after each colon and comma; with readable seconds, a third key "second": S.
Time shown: {"hour": 7, "minute": 31}
